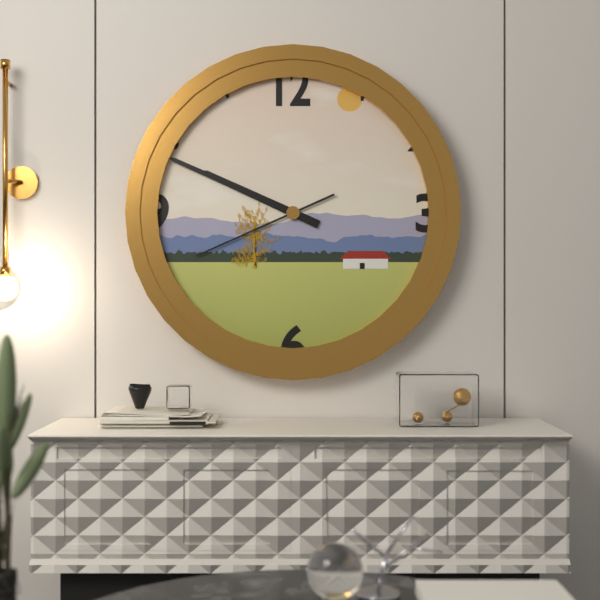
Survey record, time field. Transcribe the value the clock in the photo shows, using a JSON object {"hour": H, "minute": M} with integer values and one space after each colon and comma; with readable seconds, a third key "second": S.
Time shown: {"hour": 9, "minute": 49, "second": 41}
